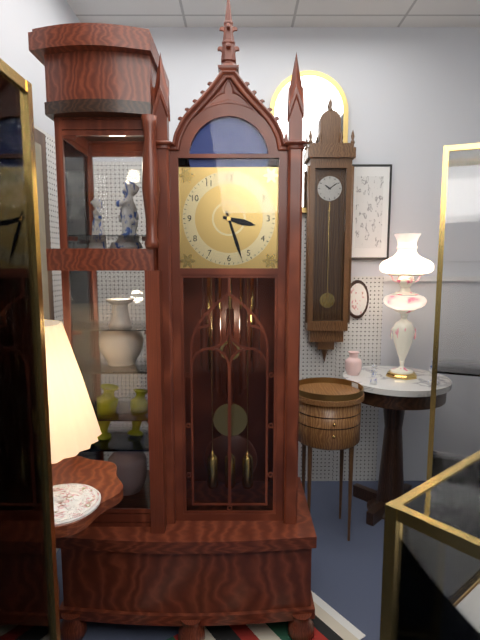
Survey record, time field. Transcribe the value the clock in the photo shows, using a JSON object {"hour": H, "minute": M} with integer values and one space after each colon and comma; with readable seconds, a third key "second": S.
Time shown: {"hour": 3, "minute": 27}
